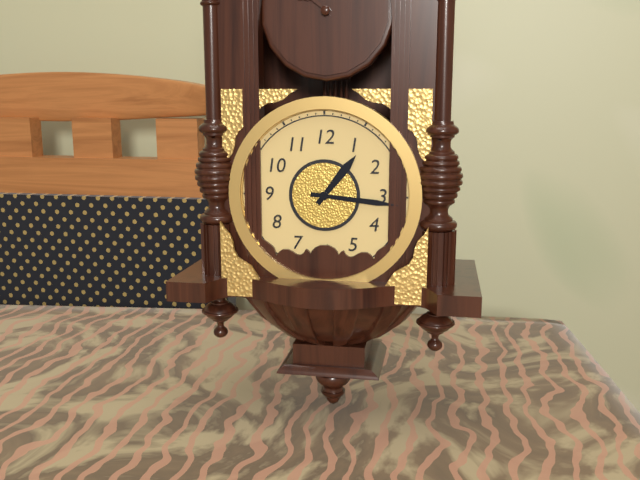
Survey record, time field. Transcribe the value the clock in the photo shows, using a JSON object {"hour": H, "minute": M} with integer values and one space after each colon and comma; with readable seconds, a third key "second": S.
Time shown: {"hour": 1, "minute": 16}
